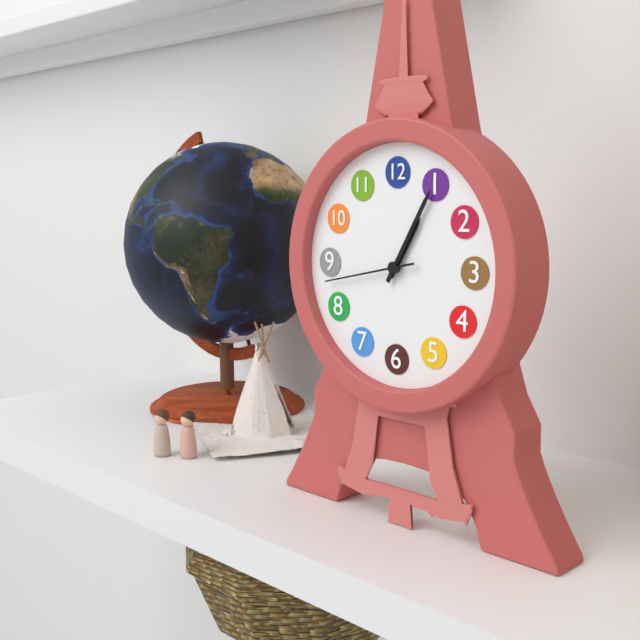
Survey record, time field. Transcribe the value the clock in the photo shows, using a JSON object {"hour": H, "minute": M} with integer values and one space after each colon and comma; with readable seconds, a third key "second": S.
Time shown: {"hour": 1, "minute": 5, "second": 43}
